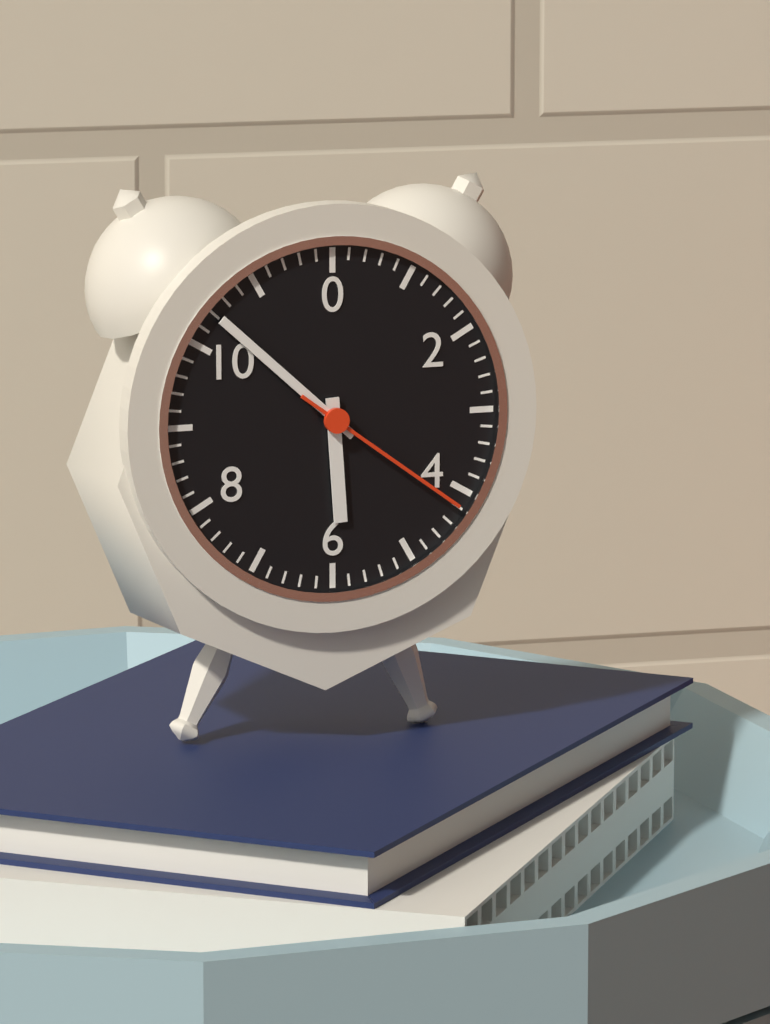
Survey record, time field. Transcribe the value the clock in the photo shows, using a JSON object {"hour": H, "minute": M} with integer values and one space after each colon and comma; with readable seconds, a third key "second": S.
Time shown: {"hour": 5, "minute": 52, "second": 21}
